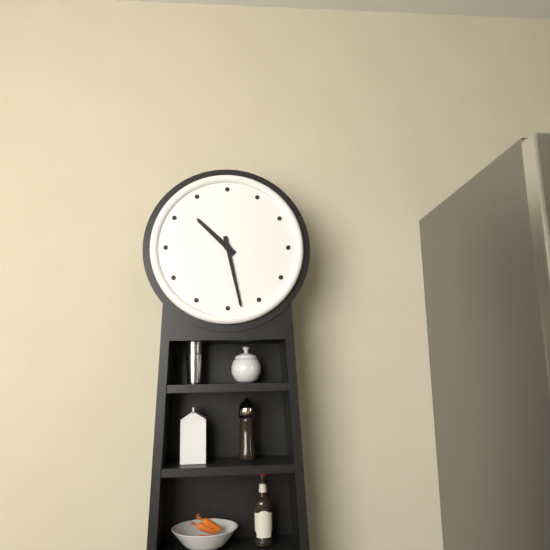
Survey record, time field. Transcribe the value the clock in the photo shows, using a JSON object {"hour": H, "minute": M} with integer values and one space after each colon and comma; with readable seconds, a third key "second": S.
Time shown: {"hour": 10, "minute": 28}
